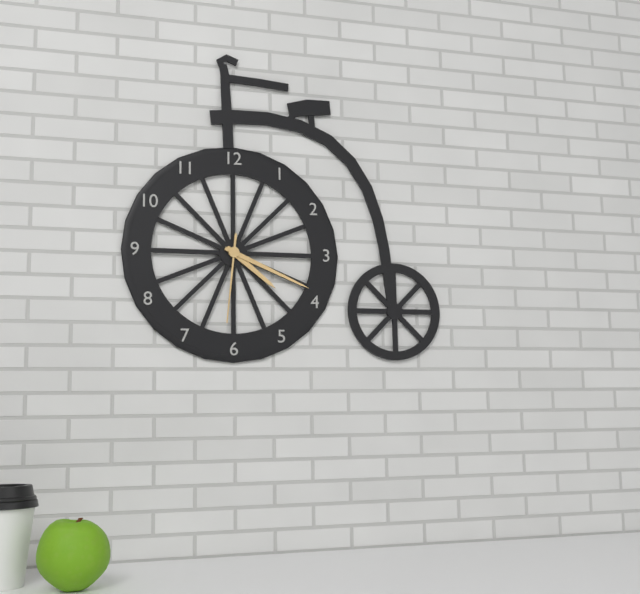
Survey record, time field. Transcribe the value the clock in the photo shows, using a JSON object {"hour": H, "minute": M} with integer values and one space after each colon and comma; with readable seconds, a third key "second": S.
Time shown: {"hour": 4, "minute": 19, "second": 31}
